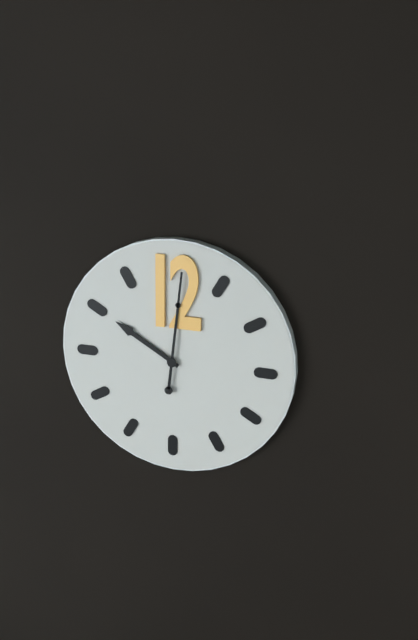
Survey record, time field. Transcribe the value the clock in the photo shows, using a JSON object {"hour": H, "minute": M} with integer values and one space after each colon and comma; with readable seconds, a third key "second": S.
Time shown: {"hour": 10, "minute": 1}
